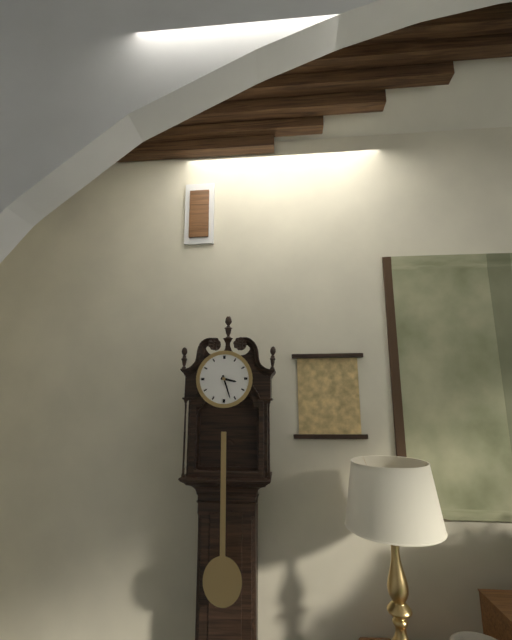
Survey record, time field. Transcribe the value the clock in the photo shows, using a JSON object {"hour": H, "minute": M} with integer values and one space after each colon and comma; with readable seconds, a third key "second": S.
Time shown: {"hour": 3, "minute": 27}
